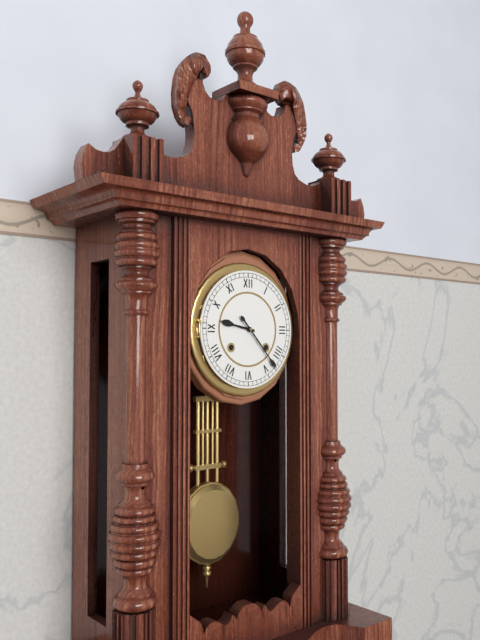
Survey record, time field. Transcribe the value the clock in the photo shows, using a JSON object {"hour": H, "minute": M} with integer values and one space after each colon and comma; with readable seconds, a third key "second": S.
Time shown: {"hour": 9, "minute": 23}
